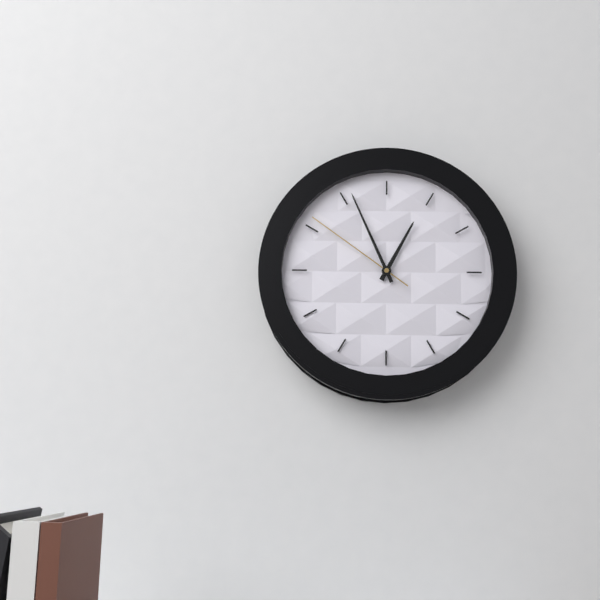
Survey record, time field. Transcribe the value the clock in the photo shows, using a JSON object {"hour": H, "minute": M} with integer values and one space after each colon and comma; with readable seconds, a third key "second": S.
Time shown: {"hour": 12, "minute": 56, "second": 51}
